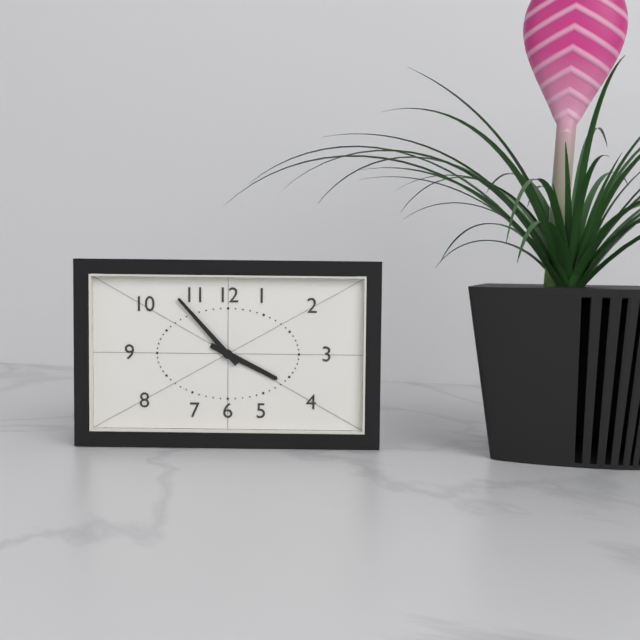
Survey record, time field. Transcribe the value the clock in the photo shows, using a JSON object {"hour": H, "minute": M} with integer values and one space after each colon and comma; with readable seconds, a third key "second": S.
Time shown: {"hour": 3, "minute": 53}
